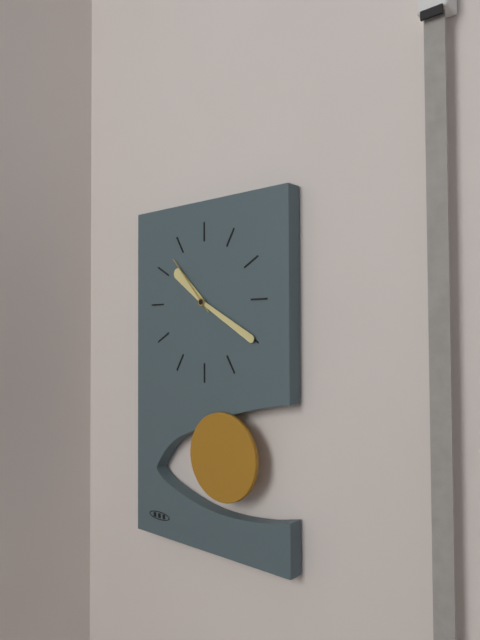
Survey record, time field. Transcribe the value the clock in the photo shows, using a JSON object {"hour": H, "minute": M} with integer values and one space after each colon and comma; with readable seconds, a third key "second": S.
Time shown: {"hour": 10, "minute": 20, "second": 53}
